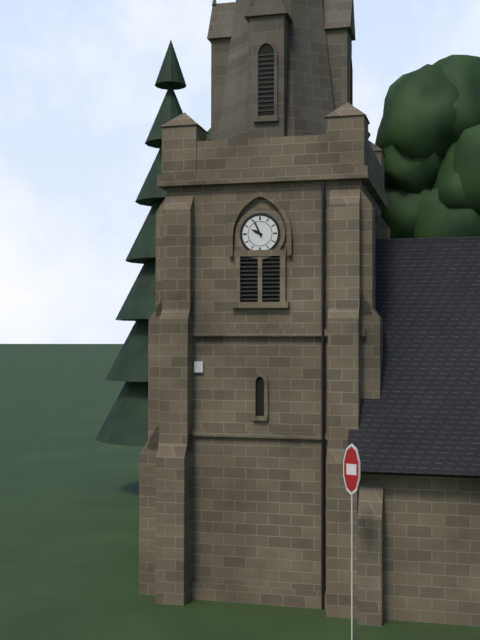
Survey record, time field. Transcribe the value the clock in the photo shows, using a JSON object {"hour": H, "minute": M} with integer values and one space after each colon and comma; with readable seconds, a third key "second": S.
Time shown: {"hour": 9, "minute": 56}
